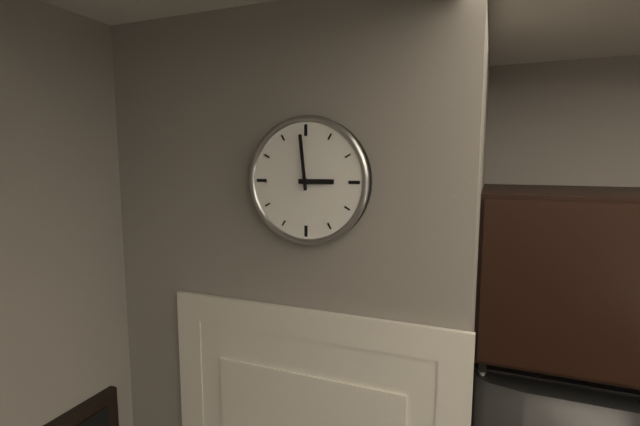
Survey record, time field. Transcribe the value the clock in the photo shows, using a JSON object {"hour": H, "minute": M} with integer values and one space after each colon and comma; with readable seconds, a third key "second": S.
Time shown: {"hour": 2, "minute": 59}
